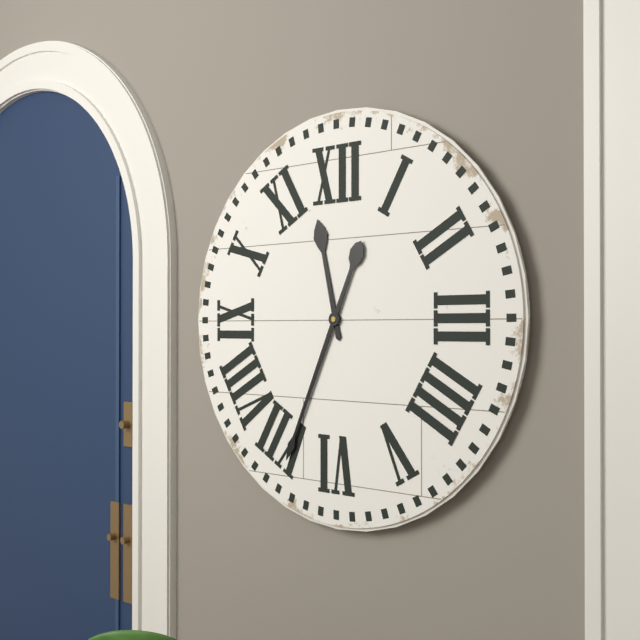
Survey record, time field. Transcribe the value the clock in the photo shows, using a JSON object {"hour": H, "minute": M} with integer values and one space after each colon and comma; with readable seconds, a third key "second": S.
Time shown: {"hour": 11, "minute": 34}
